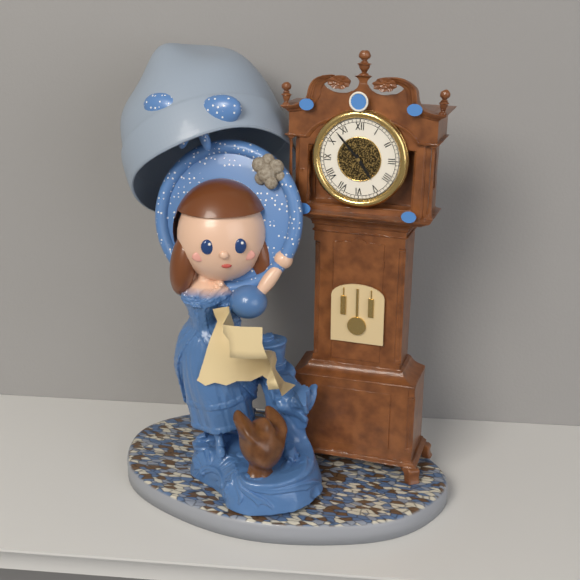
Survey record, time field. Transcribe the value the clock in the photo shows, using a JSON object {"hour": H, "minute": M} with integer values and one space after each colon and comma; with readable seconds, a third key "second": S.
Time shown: {"hour": 4, "minute": 53}
